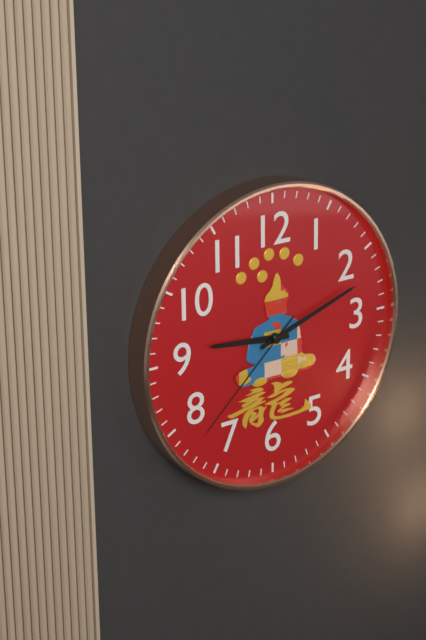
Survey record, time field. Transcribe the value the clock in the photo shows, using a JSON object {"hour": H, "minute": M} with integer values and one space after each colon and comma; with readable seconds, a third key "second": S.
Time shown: {"hour": 9, "minute": 12, "second": 38}
